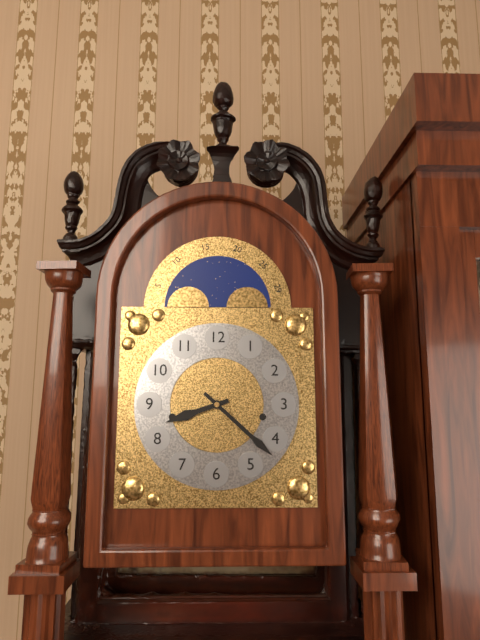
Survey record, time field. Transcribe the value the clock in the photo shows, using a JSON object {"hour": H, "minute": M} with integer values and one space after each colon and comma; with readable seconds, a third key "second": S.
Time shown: {"hour": 8, "minute": 22}
